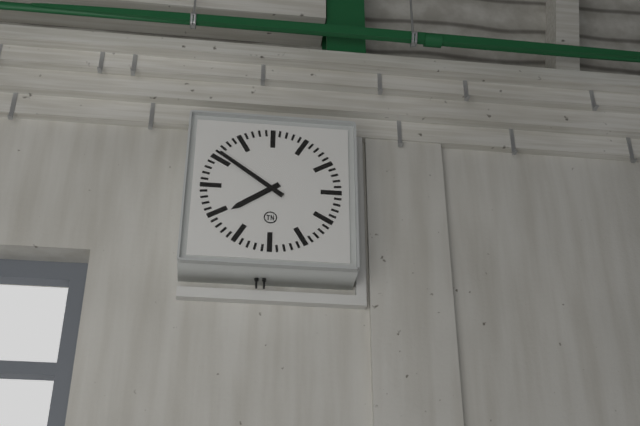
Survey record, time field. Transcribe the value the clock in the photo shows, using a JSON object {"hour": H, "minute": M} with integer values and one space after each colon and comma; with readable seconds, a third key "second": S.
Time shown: {"hour": 7, "minute": 51}
